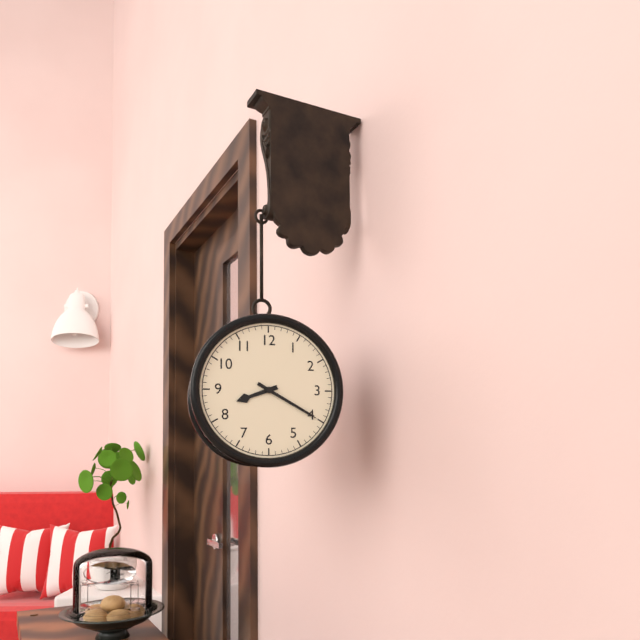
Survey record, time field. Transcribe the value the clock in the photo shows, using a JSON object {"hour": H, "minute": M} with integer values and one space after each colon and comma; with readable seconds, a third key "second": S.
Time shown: {"hour": 8, "minute": 20}
